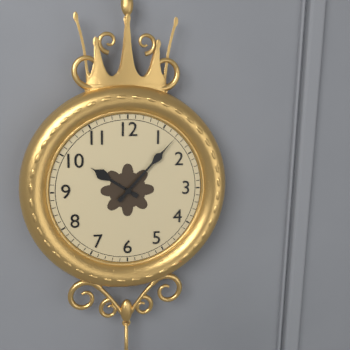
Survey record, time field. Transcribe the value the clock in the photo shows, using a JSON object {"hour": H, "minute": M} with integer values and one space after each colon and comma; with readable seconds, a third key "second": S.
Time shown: {"hour": 10, "minute": 7}
